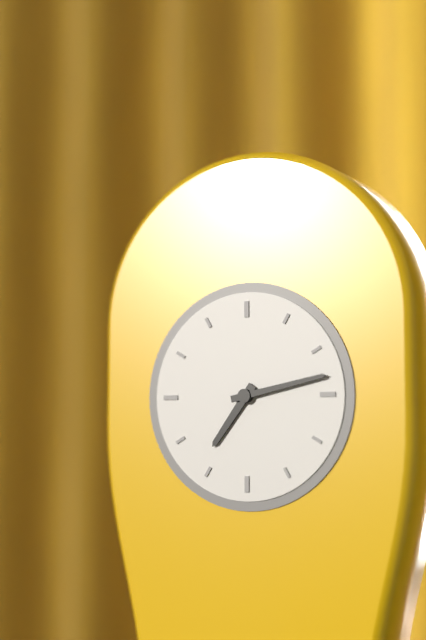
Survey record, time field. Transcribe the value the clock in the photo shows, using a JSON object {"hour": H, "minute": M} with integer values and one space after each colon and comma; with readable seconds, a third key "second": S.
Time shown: {"hour": 7, "minute": 13}
